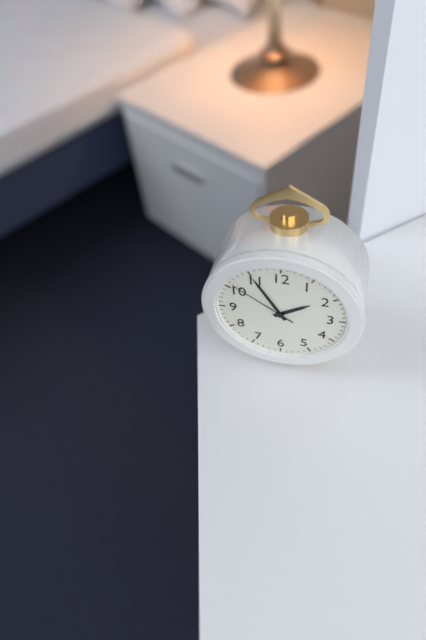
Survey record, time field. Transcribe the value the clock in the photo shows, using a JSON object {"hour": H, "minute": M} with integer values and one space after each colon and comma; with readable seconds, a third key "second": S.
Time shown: {"hour": 1, "minute": 55, "second": 51}
